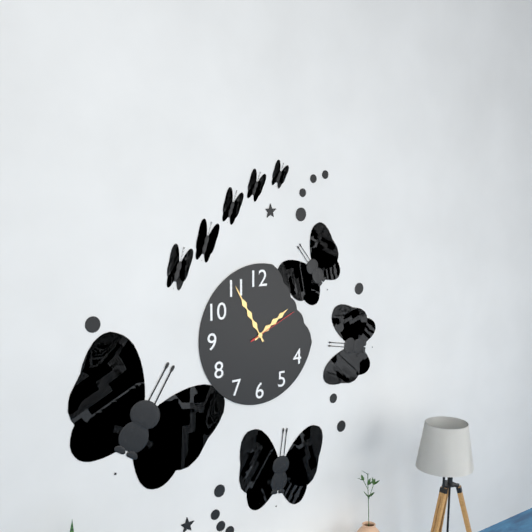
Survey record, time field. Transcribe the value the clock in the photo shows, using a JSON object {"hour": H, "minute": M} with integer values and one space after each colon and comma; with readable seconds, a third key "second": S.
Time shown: {"hour": 1, "minute": 55, "second": 11}
